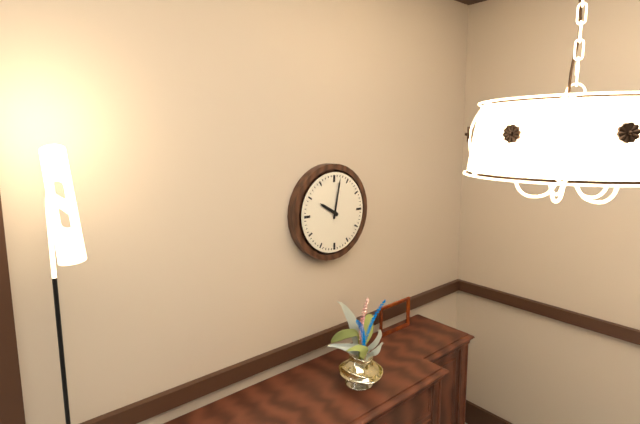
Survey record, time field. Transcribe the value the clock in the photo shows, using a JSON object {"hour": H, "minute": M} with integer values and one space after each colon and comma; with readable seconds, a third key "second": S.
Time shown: {"hour": 10, "minute": 2}
